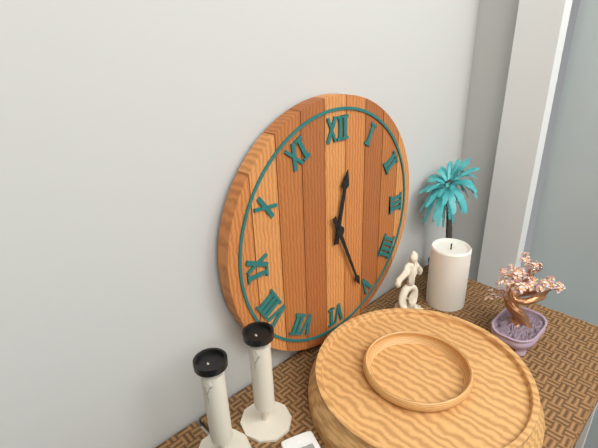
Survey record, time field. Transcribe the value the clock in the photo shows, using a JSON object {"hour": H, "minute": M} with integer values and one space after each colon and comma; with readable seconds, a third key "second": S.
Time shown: {"hour": 12, "minute": 26}
